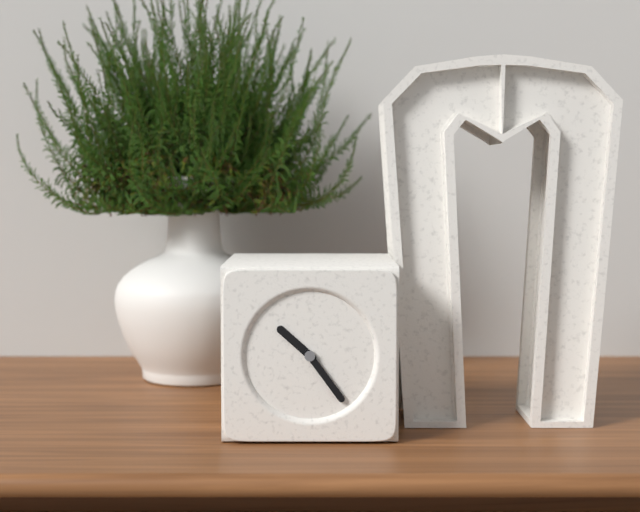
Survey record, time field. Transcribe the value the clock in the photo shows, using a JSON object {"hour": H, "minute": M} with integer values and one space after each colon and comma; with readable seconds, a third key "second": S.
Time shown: {"hour": 10, "minute": 24}
